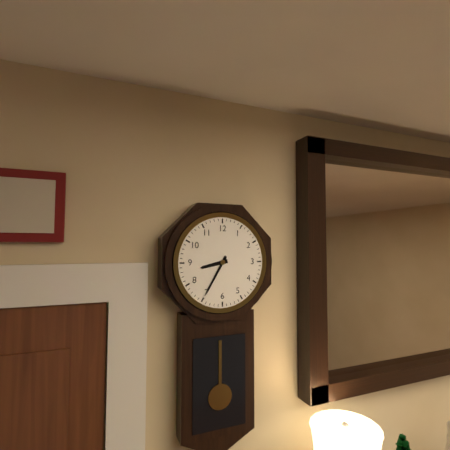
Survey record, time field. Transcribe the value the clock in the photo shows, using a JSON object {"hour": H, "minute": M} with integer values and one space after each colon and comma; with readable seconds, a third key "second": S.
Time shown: {"hour": 8, "minute": 35}
